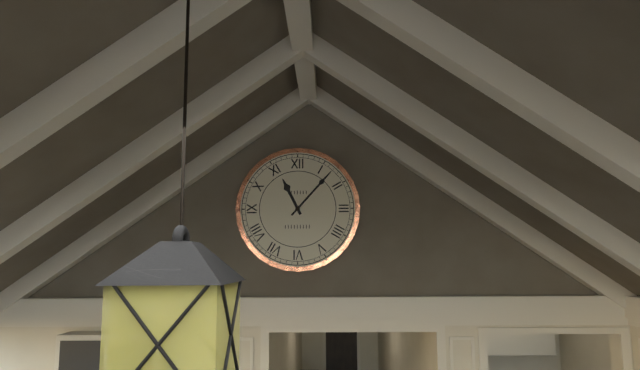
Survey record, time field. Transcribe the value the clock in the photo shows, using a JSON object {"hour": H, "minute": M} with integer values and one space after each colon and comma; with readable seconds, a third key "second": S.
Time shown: {"hour": 11, "minute": 7}
